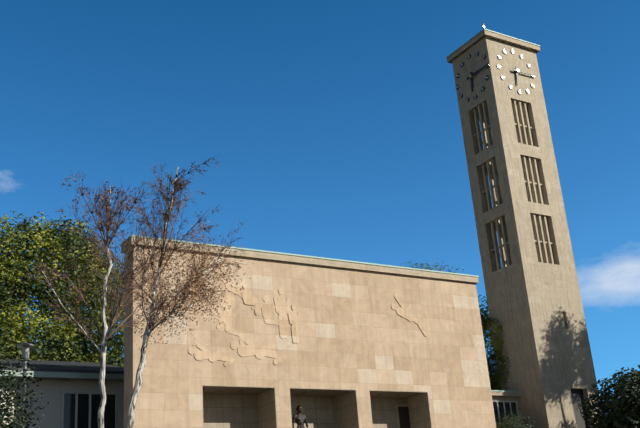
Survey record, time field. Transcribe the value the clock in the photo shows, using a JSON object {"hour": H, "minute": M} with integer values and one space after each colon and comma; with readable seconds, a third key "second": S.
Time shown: {"hour": 6, "minute": 15}
